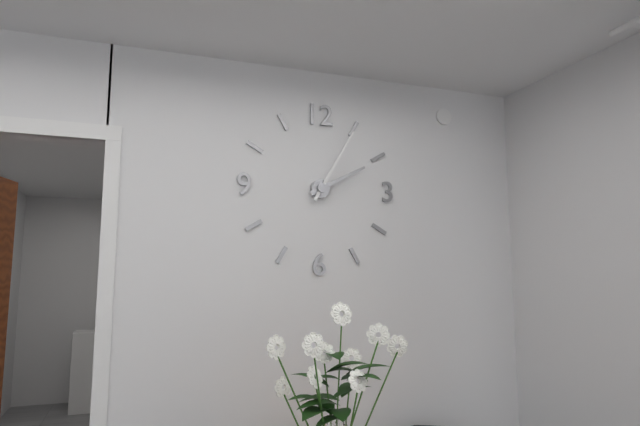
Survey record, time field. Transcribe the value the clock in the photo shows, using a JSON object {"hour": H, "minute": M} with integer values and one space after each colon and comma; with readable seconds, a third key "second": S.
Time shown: {"hour": 2, "minute": 5}
